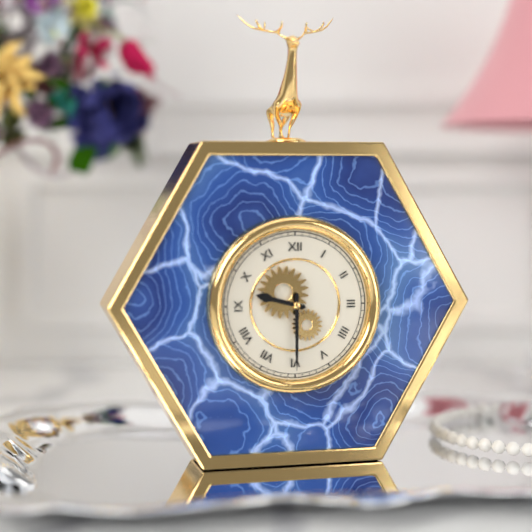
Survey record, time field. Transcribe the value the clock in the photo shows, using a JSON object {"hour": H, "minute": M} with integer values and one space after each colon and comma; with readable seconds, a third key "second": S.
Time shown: {"hour": 9, "minute": 30}
